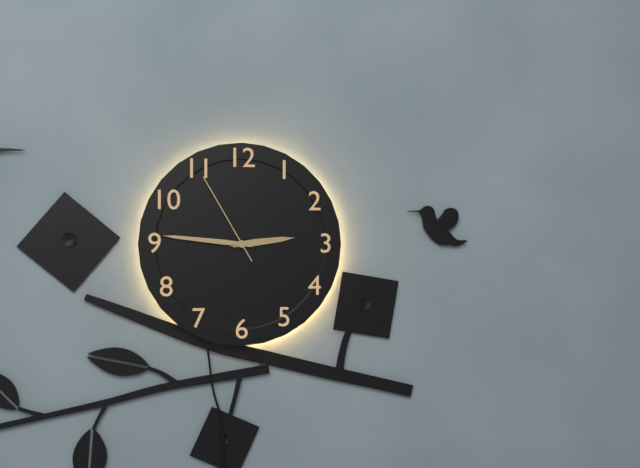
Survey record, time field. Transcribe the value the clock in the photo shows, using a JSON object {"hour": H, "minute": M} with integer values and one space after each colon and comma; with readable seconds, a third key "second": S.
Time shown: {"hour": 2, "minute": 46, "second": 55}
